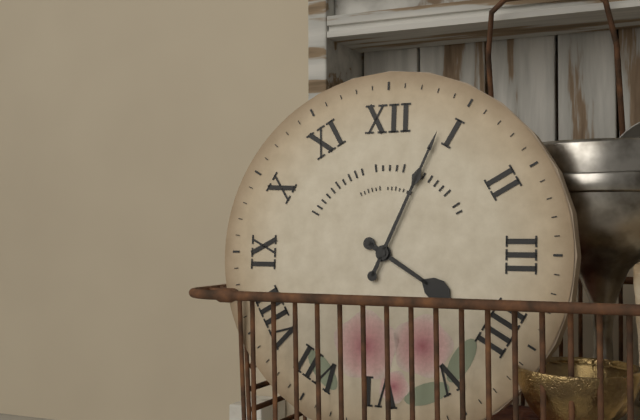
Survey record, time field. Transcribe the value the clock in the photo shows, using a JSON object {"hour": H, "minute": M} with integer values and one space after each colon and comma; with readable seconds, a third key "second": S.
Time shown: {"hour": 4, "minute": 4}
